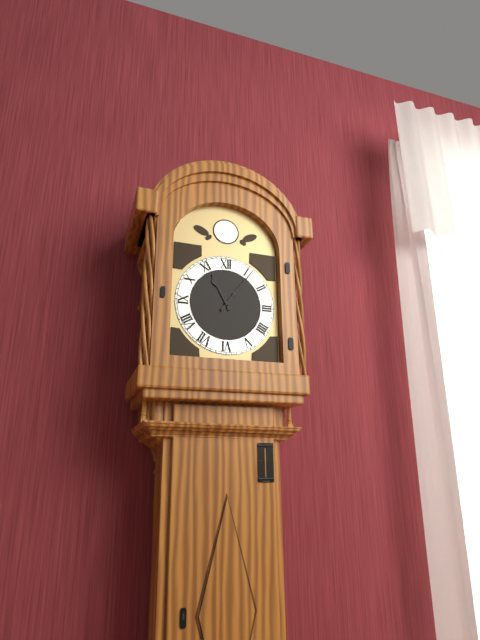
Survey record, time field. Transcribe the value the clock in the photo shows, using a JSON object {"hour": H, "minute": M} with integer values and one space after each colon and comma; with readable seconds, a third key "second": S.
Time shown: {"hour": 11, "minute": 6}
